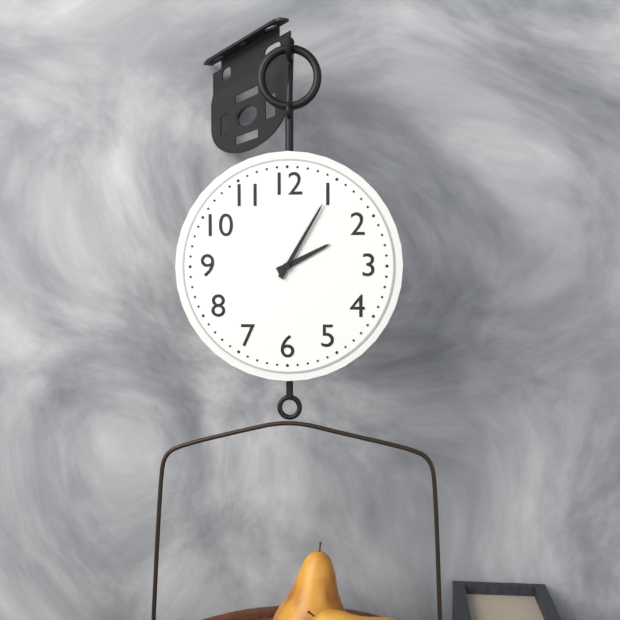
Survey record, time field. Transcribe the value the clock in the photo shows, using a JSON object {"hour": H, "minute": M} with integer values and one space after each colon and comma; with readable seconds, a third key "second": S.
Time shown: {"hour": 2, "minute": 5}
